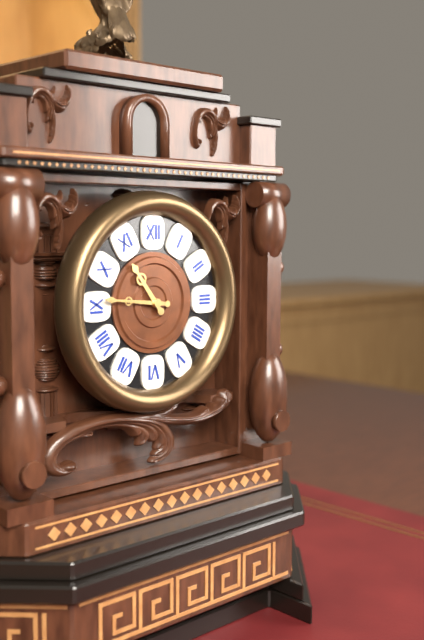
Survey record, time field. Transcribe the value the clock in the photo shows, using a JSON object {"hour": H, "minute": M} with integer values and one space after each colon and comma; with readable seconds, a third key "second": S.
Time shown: {"hour": 10, "minute": 46}
